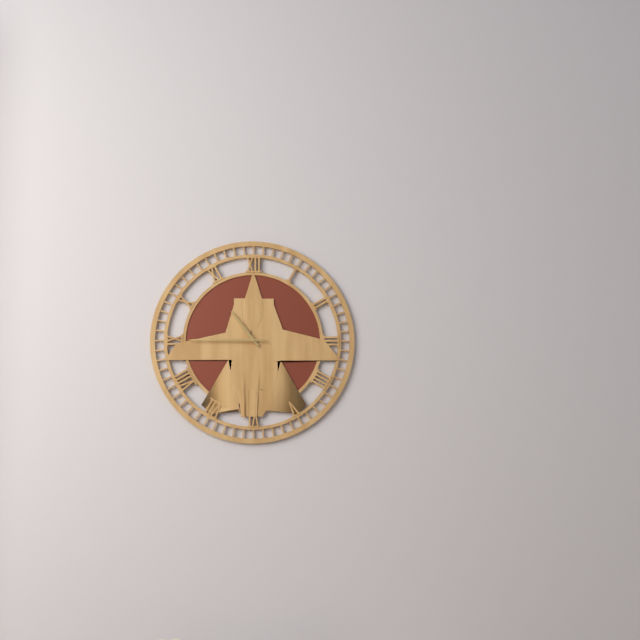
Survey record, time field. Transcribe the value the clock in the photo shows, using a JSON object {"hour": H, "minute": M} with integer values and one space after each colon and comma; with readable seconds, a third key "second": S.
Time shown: {"hour": 10, "minute": 45}
